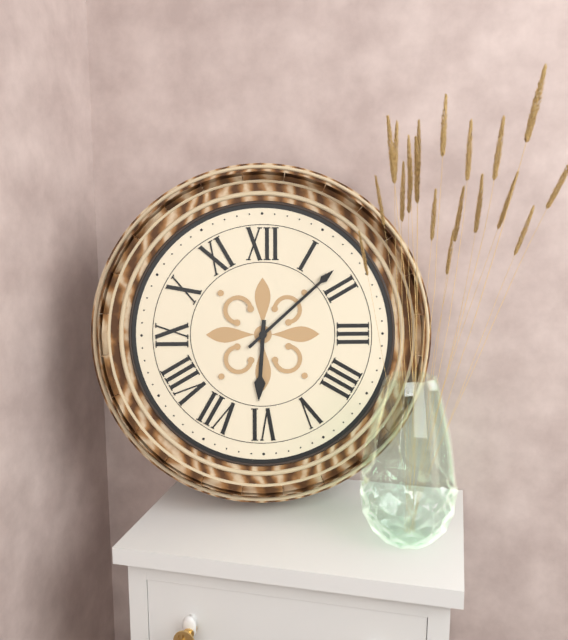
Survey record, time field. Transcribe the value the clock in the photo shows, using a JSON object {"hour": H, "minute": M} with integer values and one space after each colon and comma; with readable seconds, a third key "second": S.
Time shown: {"hour": 6, "minute": 8}
